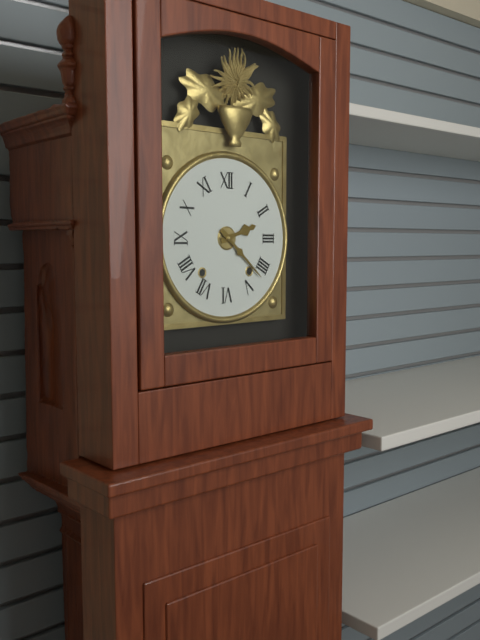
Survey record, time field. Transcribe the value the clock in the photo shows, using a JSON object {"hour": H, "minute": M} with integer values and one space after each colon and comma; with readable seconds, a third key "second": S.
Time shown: {"hour": 2, "minute": 22}
